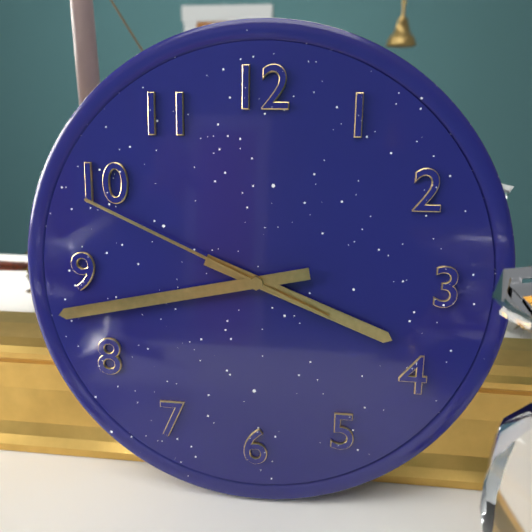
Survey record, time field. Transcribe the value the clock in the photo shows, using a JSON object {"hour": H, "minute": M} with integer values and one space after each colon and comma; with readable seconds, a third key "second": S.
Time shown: {"hour": 3, "minute": 43, "second": 49}
